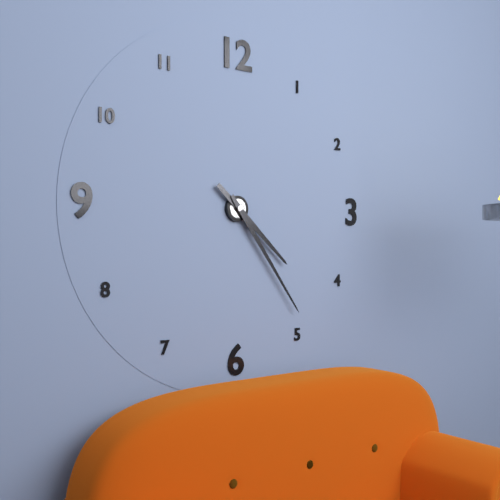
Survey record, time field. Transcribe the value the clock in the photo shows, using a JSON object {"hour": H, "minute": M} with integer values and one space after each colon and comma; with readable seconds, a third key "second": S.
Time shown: {"hour": 4, "minute": 24}
